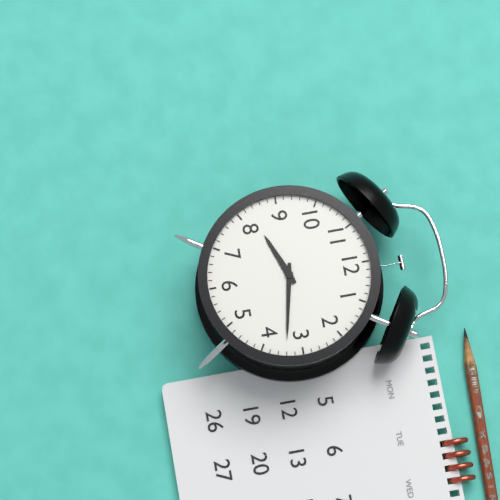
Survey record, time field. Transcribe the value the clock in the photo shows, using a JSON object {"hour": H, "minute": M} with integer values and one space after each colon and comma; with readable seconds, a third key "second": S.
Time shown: {"hour": 8, "minute": 17}
